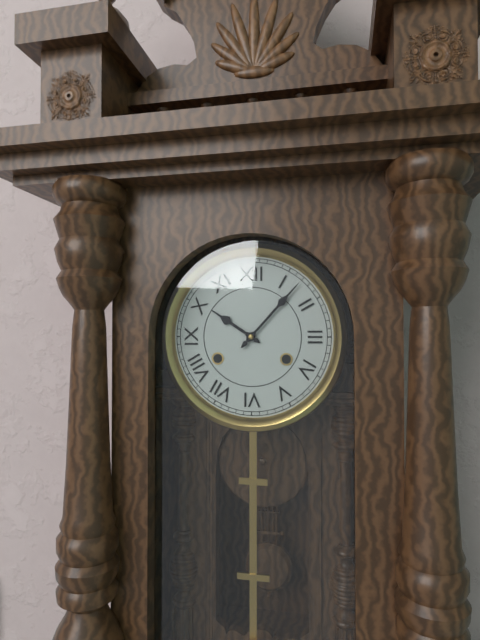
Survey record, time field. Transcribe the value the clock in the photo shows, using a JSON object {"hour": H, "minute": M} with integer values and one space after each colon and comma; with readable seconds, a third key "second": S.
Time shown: {"hour": 10, "minute": 7}
